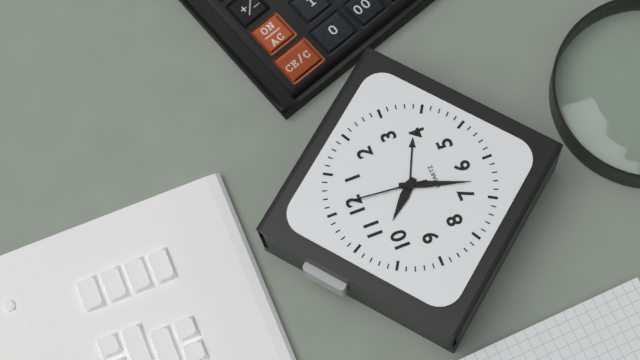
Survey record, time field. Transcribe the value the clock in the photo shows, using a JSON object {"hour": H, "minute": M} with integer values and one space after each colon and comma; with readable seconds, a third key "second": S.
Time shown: {"hour": 10, "minute": 33, "second": 1}
